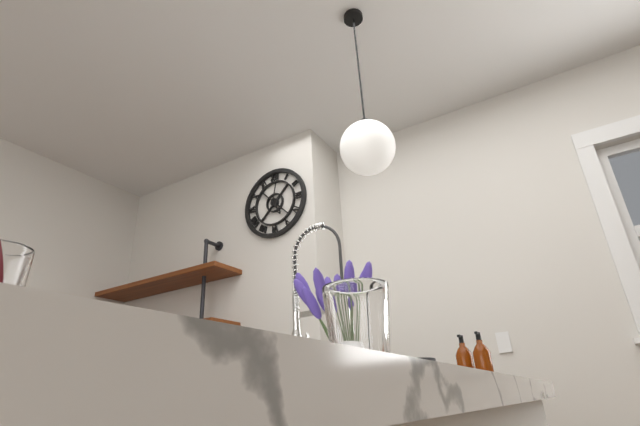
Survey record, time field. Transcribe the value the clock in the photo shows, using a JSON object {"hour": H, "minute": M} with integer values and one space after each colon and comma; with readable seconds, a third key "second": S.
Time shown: {"hour": 5, "minute": 2}
